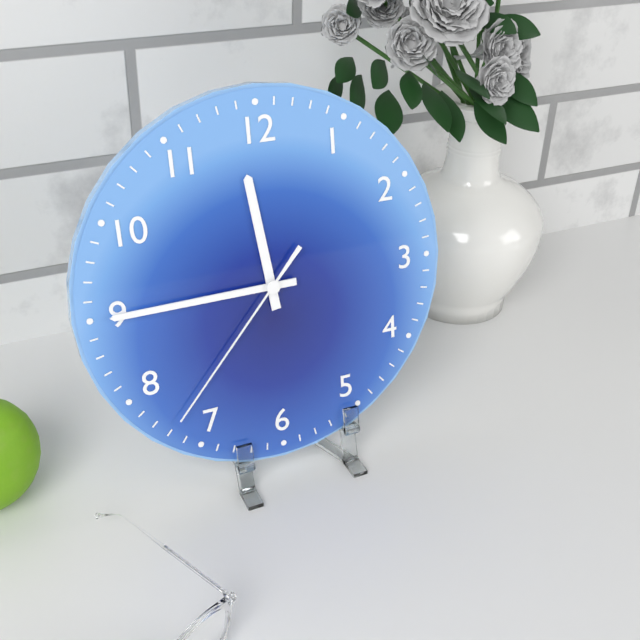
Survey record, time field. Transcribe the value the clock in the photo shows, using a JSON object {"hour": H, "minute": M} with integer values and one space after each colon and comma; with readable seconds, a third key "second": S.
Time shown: {"hour": 11, "minute": 45, "second": 37}
